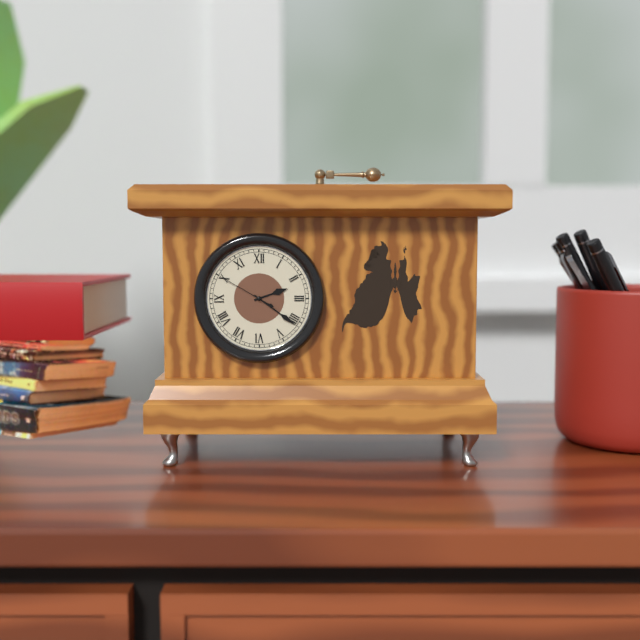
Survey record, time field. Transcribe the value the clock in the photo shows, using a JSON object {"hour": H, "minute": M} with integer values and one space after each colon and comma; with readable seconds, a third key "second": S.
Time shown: {"hour": 2, "minute": 21, "second": 50}
